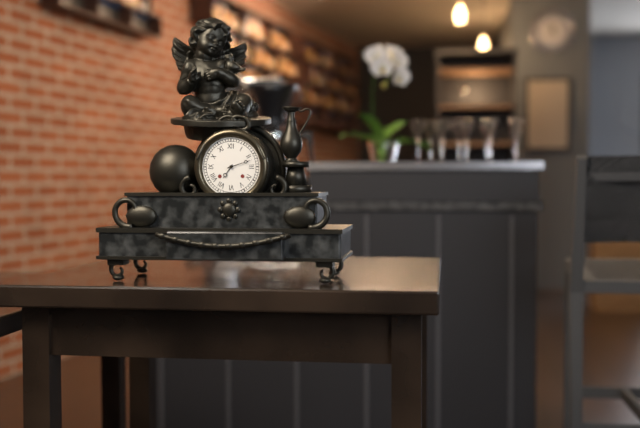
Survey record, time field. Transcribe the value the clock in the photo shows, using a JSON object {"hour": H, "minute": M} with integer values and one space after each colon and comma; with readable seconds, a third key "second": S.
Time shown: {"hour": 7, "minute": 12}
